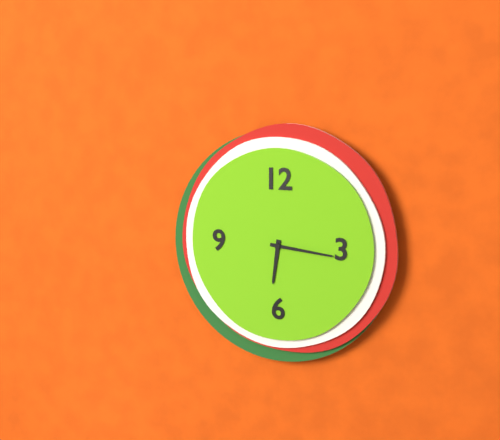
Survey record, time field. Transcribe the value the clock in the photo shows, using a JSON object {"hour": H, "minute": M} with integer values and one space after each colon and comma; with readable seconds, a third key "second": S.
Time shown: {"hour": 6, "minute": 16}
